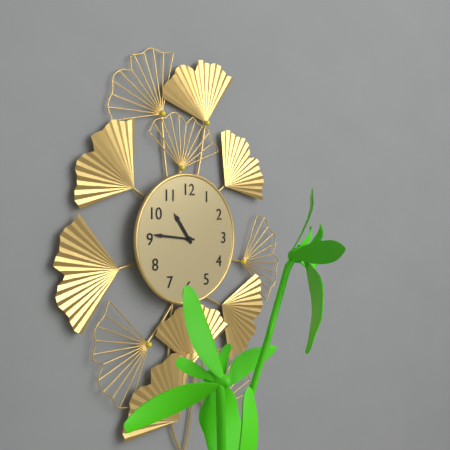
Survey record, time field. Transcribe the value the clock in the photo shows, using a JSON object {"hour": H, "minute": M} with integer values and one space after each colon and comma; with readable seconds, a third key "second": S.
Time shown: {"hour": 10, "minute": 46}
